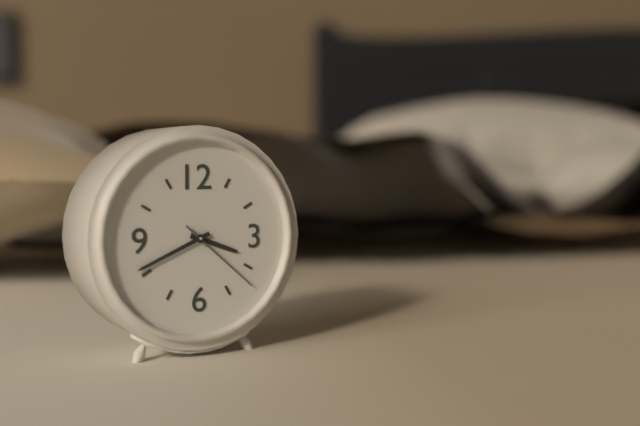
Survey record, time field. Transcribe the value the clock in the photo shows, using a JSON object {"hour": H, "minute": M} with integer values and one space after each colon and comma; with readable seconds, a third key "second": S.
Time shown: {"hour": 3, "minute": 41, "second": 22}
